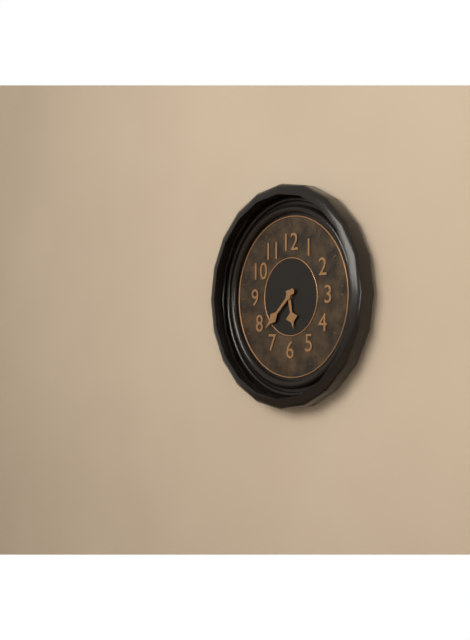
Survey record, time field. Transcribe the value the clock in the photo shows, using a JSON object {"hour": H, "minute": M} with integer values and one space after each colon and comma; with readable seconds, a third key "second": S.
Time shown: {"hour": 5, "minute": 38}
